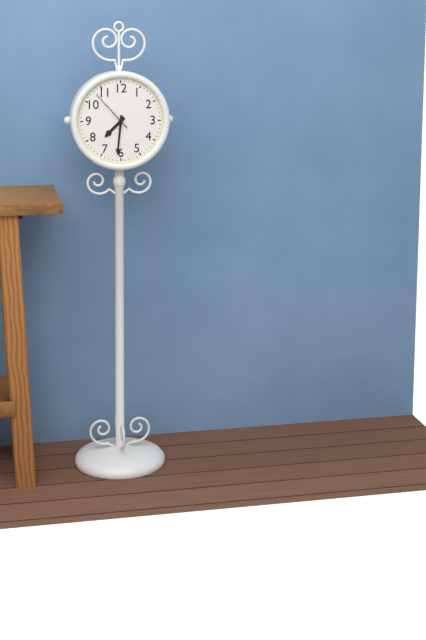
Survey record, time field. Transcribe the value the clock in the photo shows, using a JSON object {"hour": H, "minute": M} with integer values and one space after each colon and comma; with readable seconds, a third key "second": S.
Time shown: {"hour": 7, "minute": 31}
